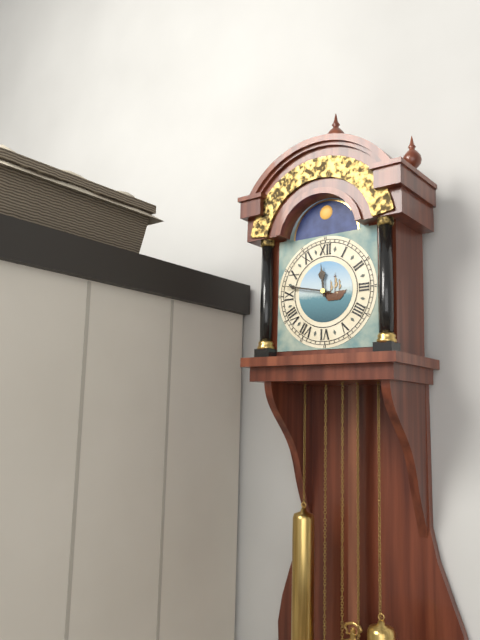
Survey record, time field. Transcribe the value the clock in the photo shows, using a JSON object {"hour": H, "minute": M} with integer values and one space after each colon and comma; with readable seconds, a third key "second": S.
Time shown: {"hour": 11, "minute": 47}
